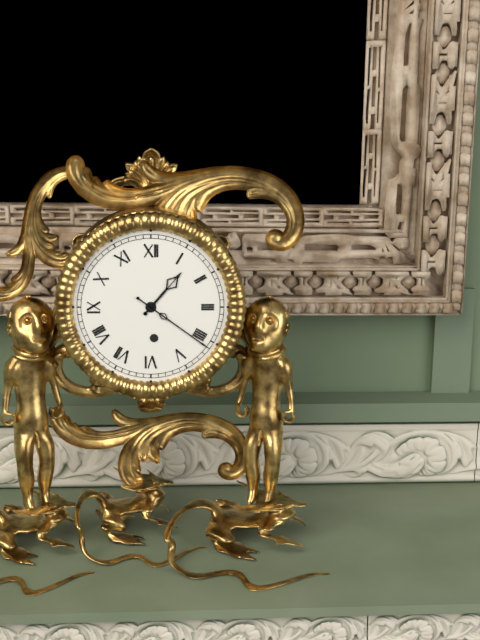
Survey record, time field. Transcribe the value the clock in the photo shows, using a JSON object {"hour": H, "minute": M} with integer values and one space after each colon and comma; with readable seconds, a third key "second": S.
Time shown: {"hour": 1, "minute": 21}
